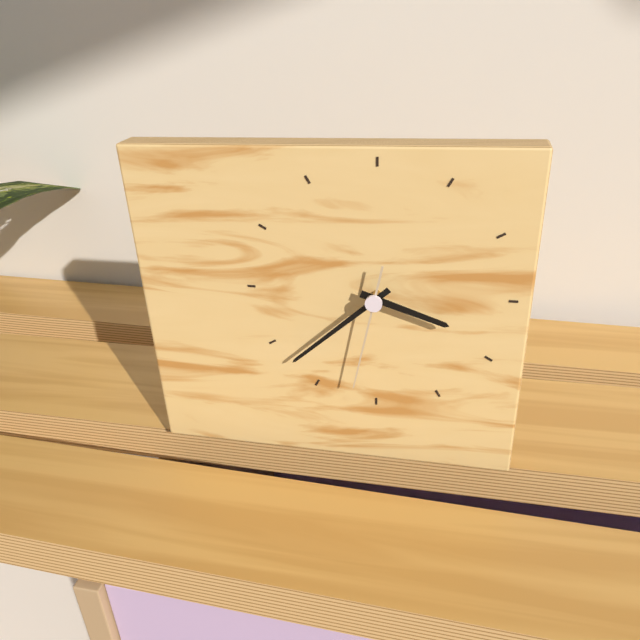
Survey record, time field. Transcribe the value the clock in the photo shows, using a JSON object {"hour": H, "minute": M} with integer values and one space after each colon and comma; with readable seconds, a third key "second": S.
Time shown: {"hour": 3, "minute": 38, "second": 32}
